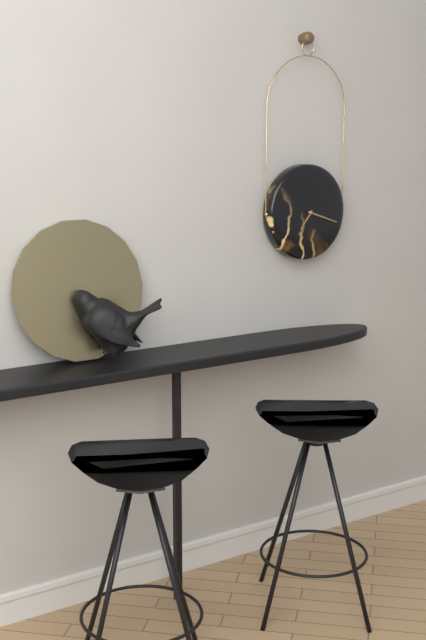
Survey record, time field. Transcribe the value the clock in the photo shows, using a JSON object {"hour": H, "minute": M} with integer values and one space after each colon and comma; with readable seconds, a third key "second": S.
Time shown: {"hour": 7, "minute": 18}
